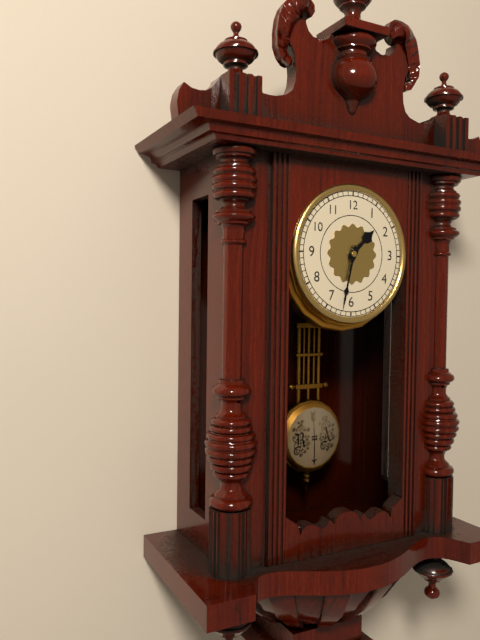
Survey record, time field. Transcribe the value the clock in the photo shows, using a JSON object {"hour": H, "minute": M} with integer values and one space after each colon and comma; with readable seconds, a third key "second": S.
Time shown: {"hour": 1, "minute": 32}
